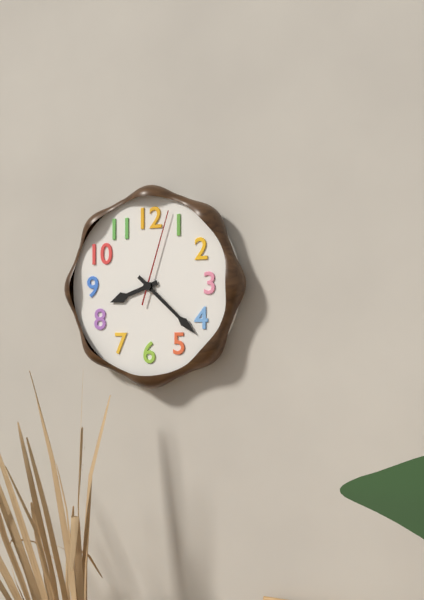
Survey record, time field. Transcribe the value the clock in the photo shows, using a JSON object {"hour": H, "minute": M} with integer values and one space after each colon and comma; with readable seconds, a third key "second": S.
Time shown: {"hour": 8, "minute": 22, "second": 3}
